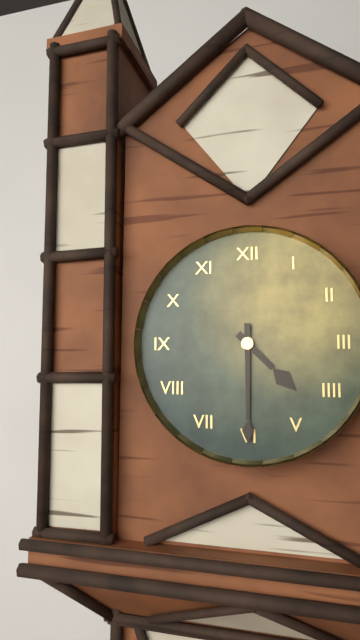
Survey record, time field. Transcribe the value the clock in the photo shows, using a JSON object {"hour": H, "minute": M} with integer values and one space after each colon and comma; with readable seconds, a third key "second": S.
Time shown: {"hour": 4, "minute": 30}
